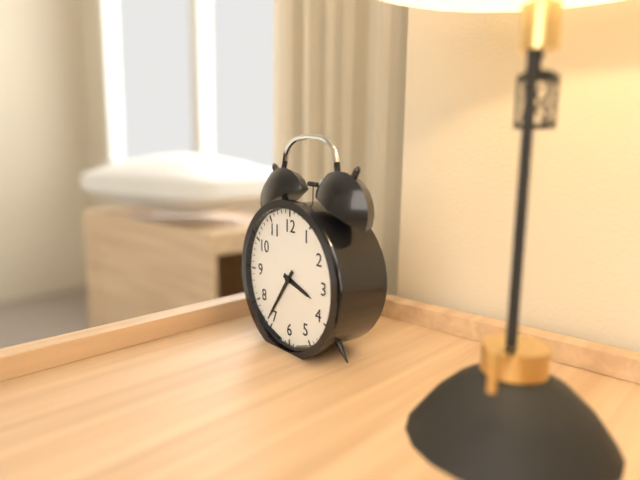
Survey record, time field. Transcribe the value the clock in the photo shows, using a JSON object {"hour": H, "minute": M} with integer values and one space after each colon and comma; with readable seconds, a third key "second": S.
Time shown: {"hour": 3, "minute": 36}
